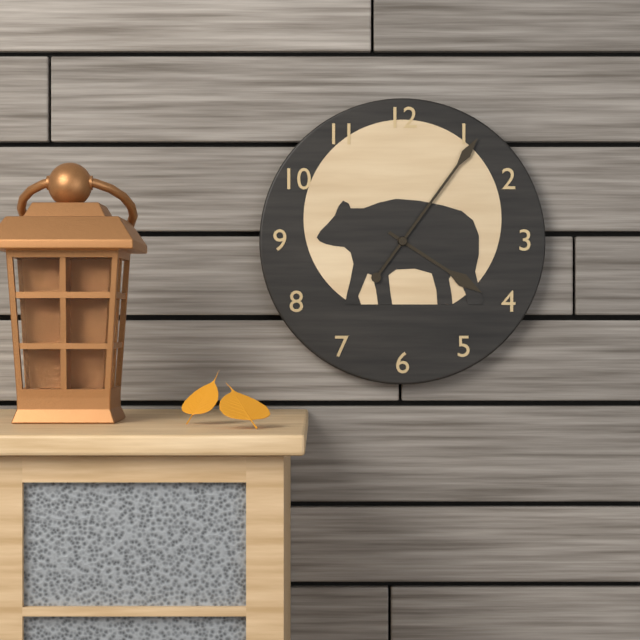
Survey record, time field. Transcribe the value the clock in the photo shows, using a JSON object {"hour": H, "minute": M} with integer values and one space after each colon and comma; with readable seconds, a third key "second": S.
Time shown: {"hour": 4, "minute": 6}
